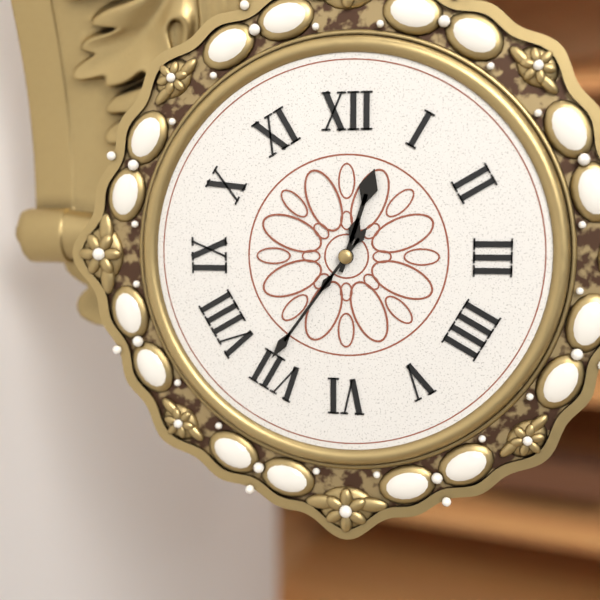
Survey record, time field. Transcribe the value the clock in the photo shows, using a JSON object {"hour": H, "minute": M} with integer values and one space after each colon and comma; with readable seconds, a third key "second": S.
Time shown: {"hour": 12, "minute": 36}
